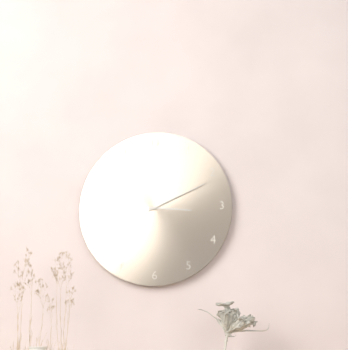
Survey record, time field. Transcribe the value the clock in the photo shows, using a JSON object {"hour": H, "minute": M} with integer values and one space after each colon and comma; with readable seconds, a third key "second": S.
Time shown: {"hour": 3, "minute": 11}
